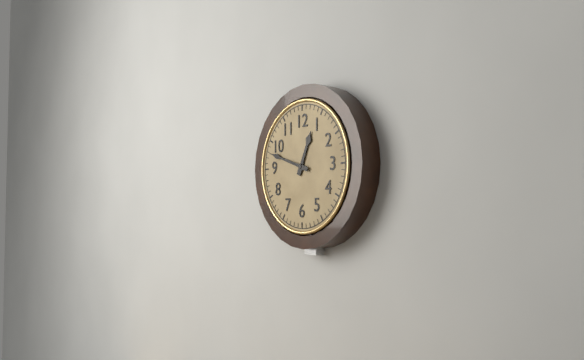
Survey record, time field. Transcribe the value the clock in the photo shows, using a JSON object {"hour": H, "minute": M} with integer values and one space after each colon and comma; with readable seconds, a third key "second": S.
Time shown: {"hour": 12, "minute": 48}
